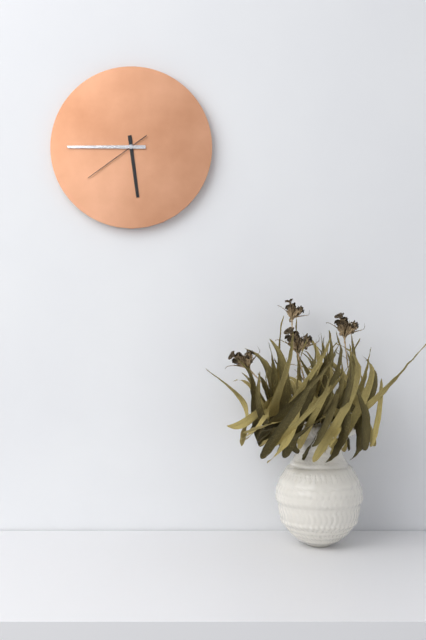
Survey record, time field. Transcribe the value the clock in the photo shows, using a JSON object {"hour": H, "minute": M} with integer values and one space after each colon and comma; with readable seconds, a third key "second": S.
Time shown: {"hour": 5, "minute": 45, "second": 39}
